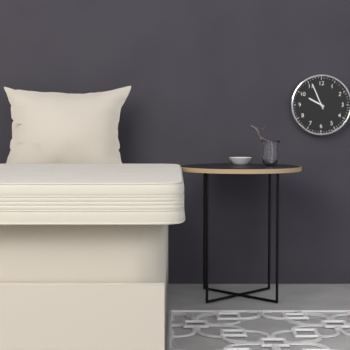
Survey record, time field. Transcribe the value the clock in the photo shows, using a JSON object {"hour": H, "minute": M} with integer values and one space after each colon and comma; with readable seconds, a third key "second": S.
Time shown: {"hour": 9, "minute": 56}
